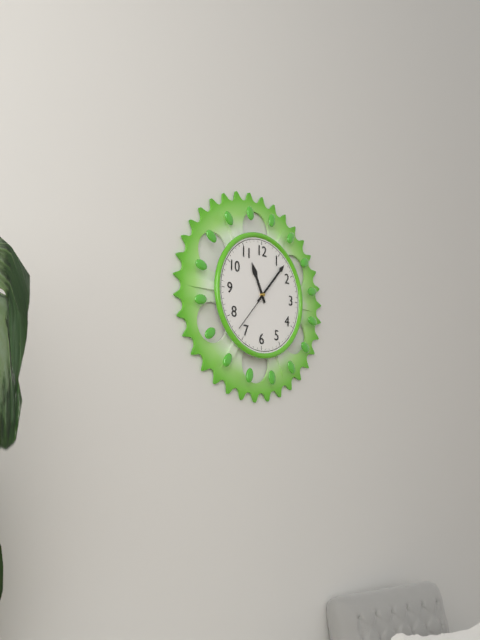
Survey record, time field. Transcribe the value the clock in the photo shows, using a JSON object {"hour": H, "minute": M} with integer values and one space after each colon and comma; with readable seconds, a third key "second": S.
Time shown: {"hour": 11, "minute": 7, "second": 37}
